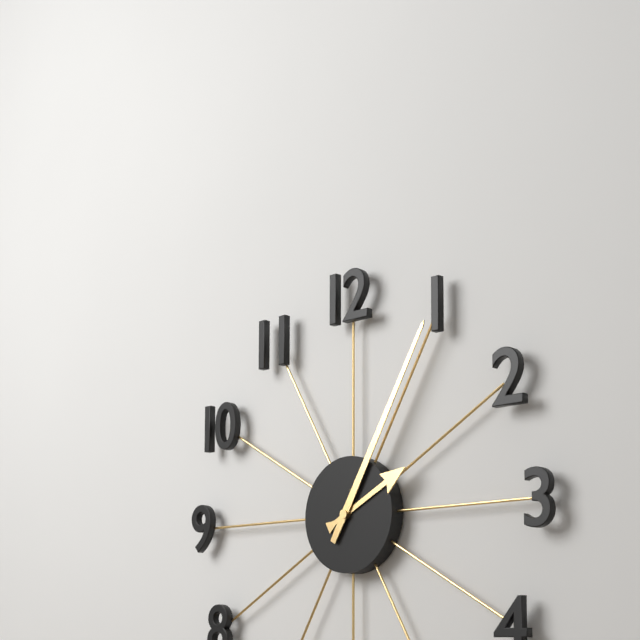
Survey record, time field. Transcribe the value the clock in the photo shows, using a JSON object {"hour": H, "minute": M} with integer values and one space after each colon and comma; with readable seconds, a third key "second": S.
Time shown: {"hour": 2, "minute": 5}
